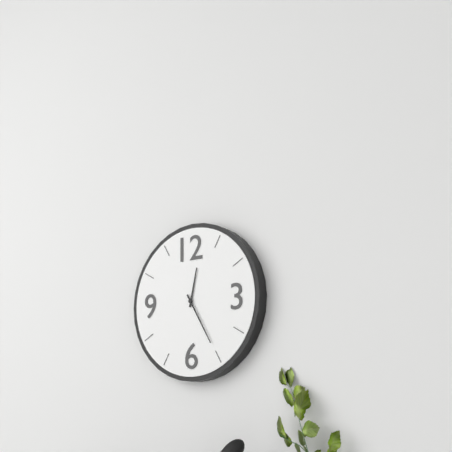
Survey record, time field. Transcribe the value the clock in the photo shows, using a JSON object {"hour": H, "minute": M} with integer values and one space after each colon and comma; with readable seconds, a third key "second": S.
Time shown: {"hour": 12, "minute": 25}
